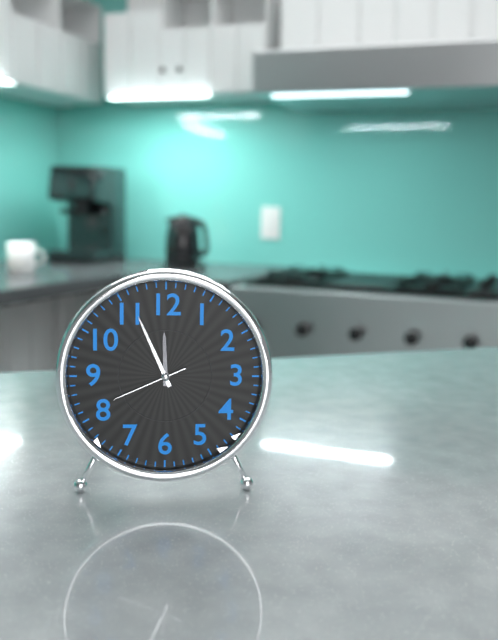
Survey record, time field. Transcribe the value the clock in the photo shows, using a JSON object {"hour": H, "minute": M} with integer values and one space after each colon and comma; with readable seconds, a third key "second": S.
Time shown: {"hour": 11, "minute": 56, "second": 41}
